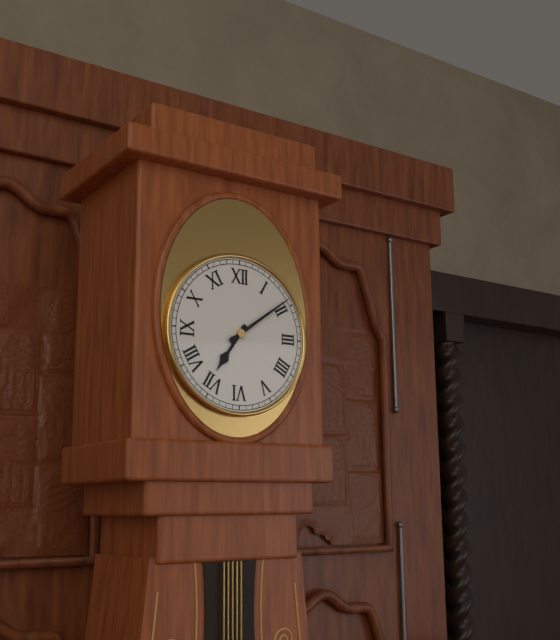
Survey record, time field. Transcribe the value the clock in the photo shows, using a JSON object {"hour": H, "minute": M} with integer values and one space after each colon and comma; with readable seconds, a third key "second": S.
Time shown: {"hour": 7, "minute": 9}
